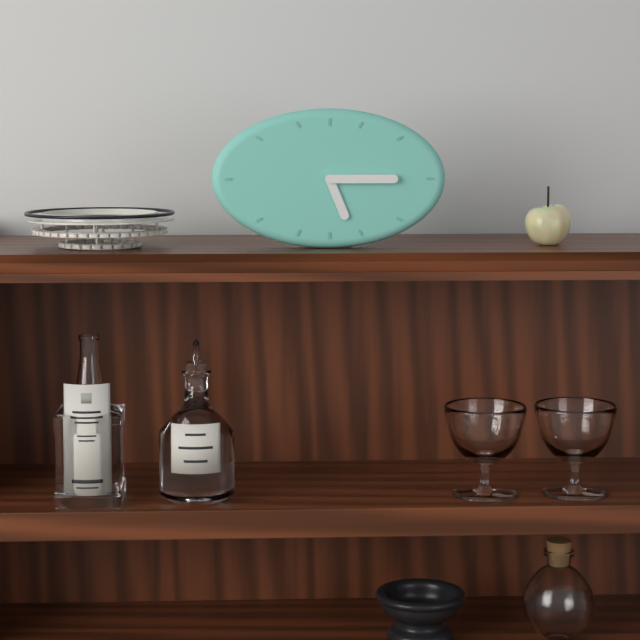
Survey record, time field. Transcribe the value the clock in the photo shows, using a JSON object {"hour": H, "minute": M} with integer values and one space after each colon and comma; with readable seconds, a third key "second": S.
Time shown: {"hour": 5, "minute": 15}
